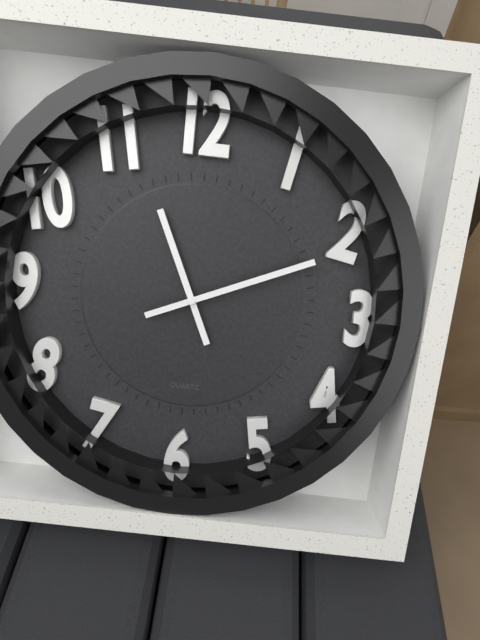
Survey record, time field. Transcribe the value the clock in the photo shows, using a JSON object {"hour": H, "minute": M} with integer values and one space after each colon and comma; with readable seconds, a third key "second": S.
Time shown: {"hour": 11, "minute": 11}
